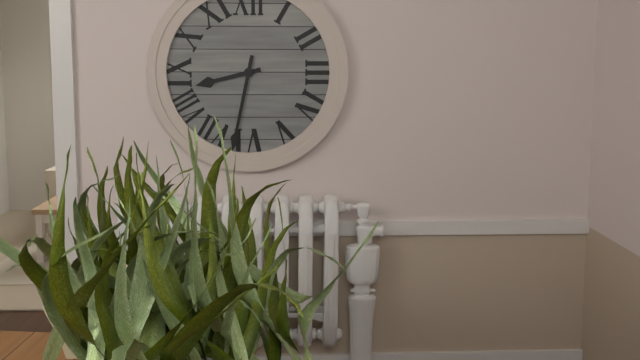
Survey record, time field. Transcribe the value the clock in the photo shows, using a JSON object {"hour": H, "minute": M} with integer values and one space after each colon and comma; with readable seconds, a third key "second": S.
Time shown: {"hour": 8, "minute": 32}
